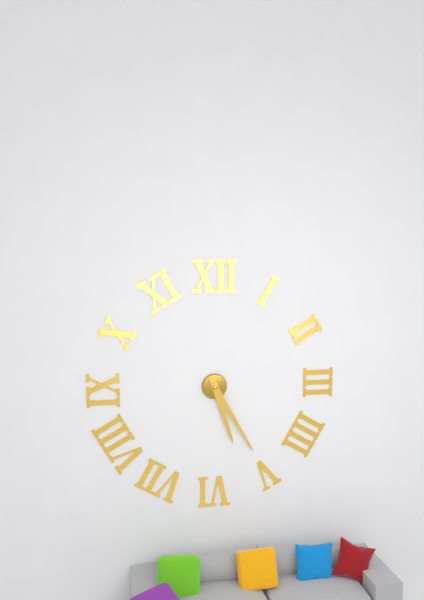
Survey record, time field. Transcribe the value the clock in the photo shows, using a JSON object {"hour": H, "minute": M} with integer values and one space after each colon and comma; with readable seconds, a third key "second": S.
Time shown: {"hour": 5, "minute": 25}
